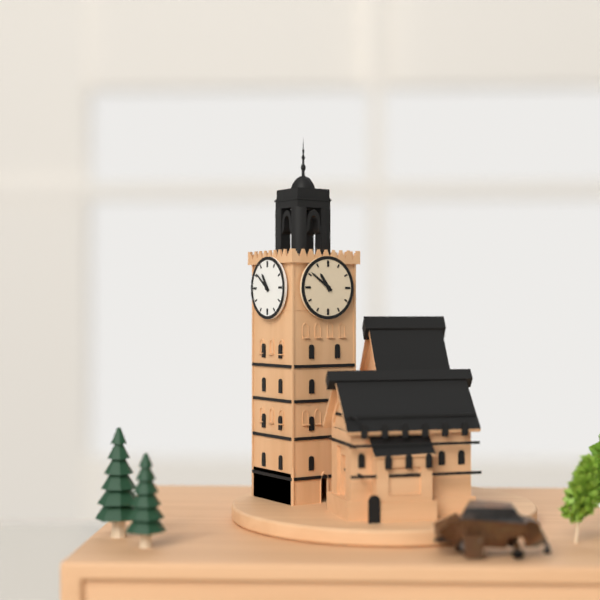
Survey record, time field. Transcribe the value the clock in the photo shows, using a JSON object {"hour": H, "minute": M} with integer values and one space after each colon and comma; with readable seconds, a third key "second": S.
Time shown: {"hour": 10, "minute": 51}
